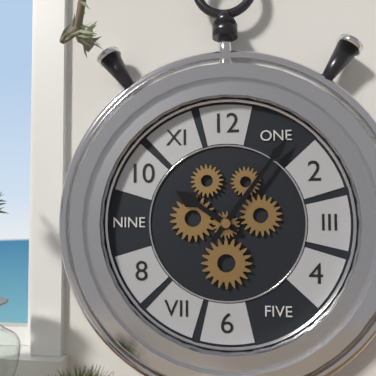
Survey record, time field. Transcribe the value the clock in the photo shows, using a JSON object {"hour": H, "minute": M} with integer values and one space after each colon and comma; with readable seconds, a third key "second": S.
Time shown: {"hour": 10, "minute": 6}
